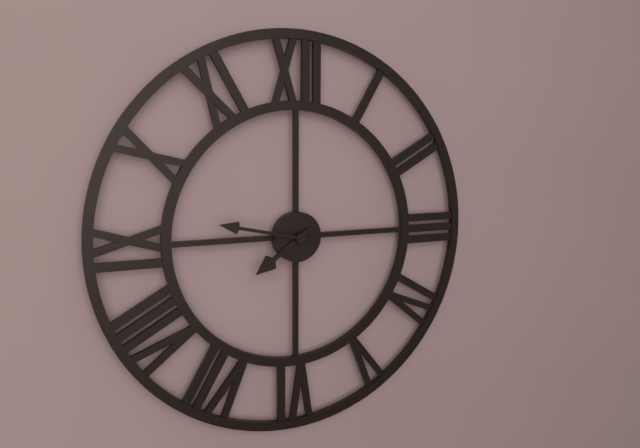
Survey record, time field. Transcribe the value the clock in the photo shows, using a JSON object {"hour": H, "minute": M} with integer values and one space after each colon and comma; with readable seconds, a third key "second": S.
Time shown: {"hour": 7, "minute": 47}
